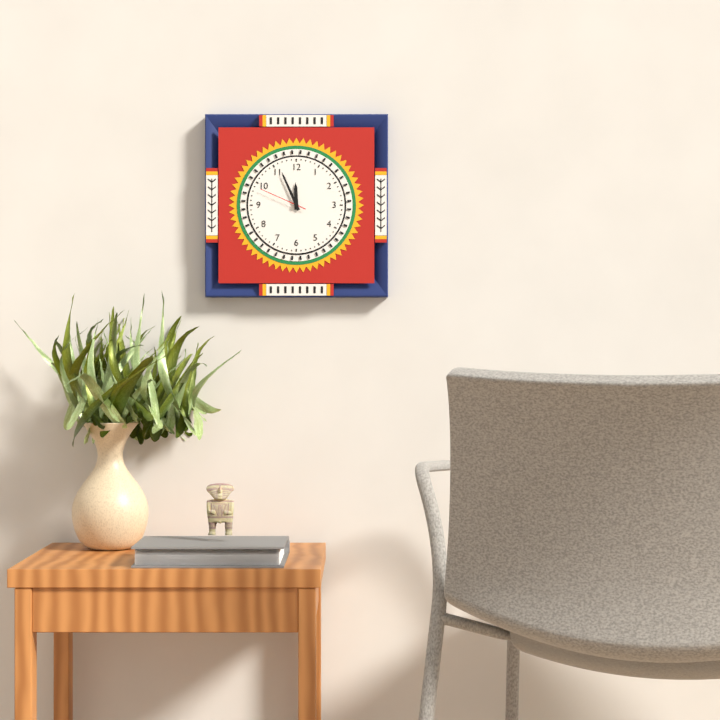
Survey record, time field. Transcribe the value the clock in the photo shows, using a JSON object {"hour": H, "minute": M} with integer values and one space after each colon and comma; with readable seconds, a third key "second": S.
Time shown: {"hour": 11, "minute": 56}
